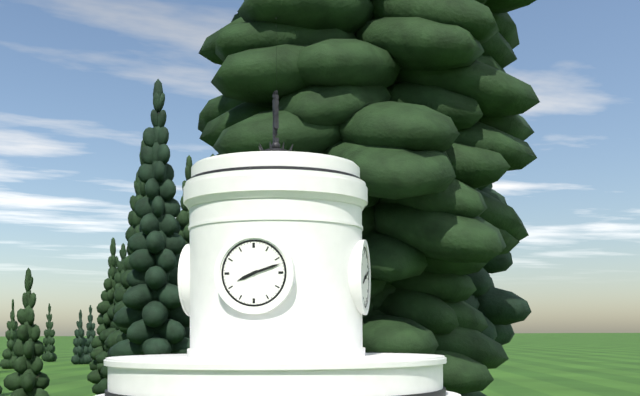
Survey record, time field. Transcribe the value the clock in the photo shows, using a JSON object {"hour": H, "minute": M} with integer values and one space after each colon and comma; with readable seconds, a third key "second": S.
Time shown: {"hour": 8, "minute": 12}
